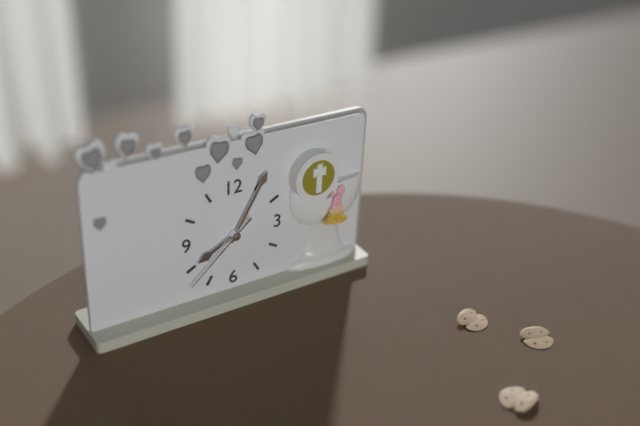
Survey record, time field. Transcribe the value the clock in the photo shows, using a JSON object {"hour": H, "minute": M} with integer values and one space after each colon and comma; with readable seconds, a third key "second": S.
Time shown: {"hour": 8, "minute": 5, "second": 38}
